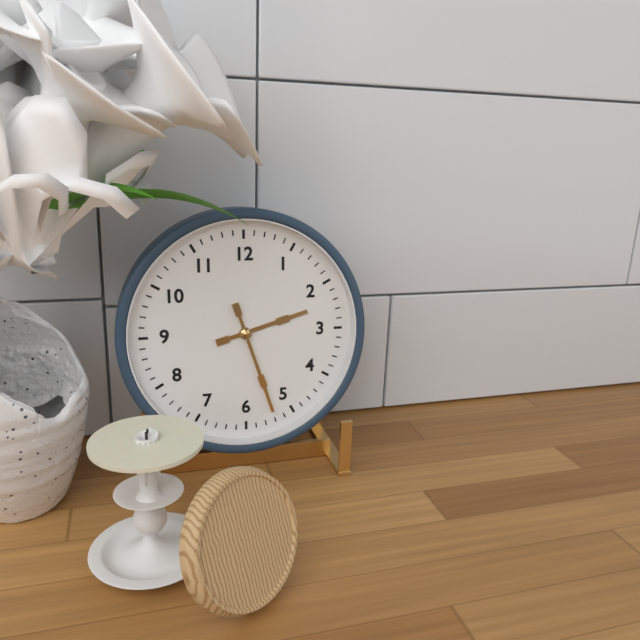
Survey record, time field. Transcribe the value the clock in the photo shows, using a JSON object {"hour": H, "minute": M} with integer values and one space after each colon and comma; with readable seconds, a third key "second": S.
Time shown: {"hour": 2, "minute": 27}
